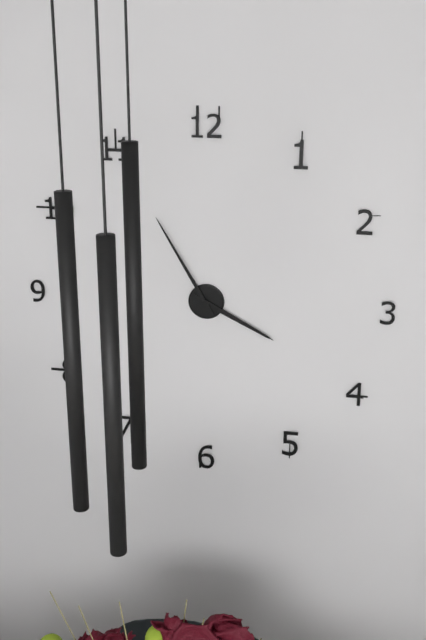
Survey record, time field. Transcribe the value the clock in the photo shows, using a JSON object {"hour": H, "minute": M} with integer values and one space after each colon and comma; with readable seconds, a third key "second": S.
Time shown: {"hour": 3, "minute": 55}
